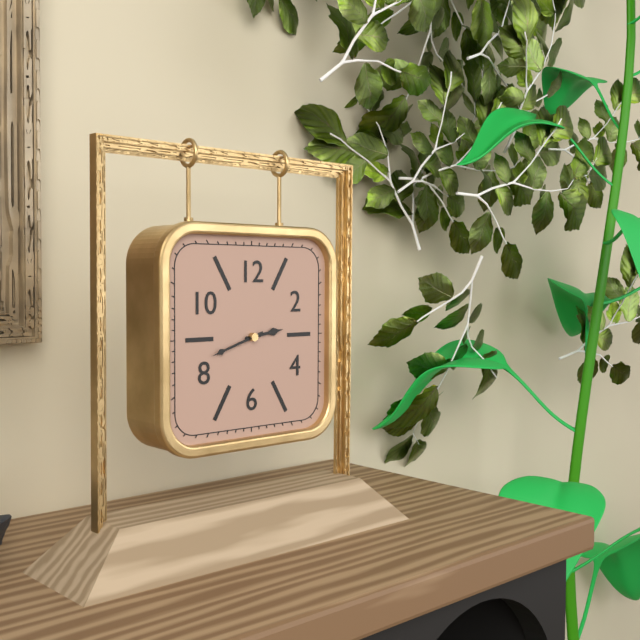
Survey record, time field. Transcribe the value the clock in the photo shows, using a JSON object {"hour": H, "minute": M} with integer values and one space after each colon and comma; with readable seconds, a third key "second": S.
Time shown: {"hour": 2, "minute": 42}
